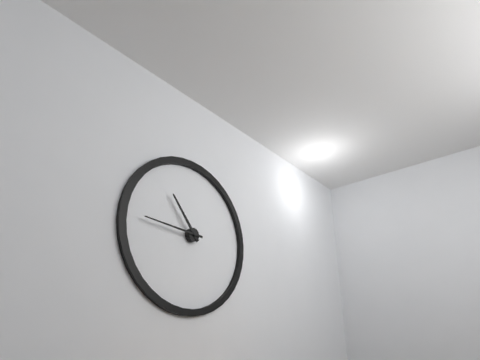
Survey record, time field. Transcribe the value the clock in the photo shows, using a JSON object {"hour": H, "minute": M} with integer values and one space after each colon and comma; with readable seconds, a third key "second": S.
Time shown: {"hour": 10, "minute": 46}
